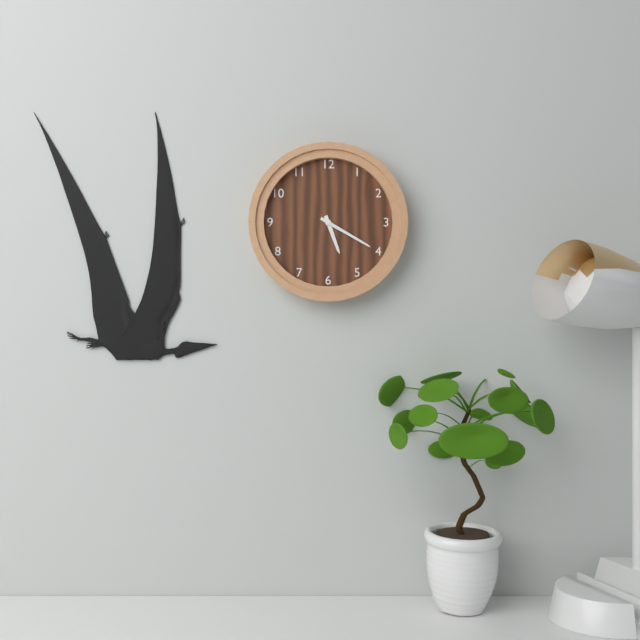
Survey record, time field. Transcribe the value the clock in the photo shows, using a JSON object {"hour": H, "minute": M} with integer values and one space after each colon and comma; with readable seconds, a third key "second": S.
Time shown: {"hour": 5, "minute": 20}
